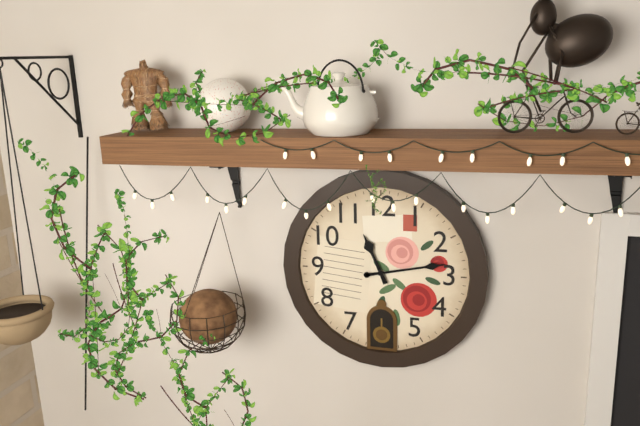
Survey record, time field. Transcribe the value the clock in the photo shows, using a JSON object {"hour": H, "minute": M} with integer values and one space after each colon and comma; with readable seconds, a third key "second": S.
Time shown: {"hour": 11, "minute": 13}
